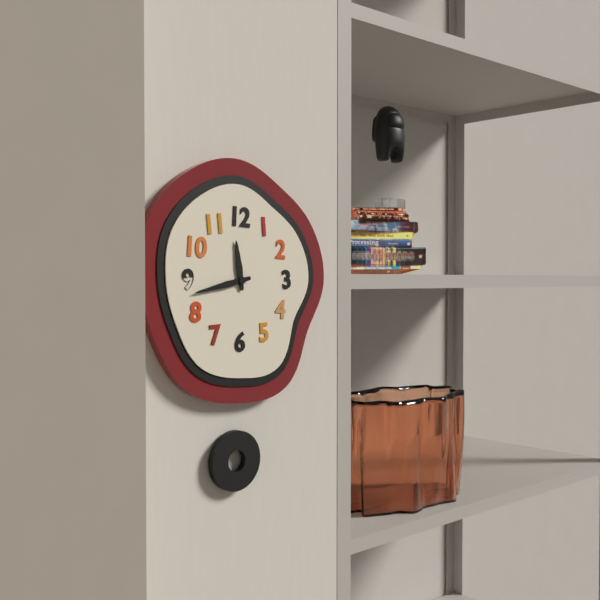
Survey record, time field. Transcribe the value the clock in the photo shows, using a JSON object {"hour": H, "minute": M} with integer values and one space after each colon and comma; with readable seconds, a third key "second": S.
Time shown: {"hour": 11, "minute": 43}
